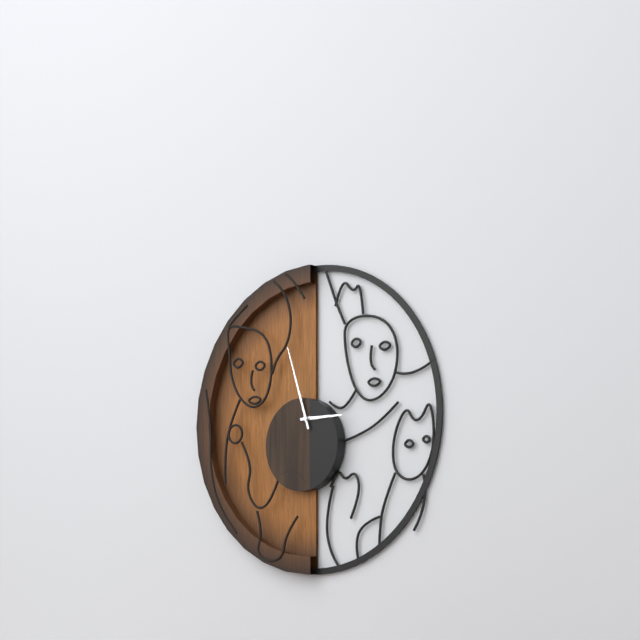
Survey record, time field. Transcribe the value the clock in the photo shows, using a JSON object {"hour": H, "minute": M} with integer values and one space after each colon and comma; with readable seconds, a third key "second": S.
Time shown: {"hour": 2, "minute": 57}
